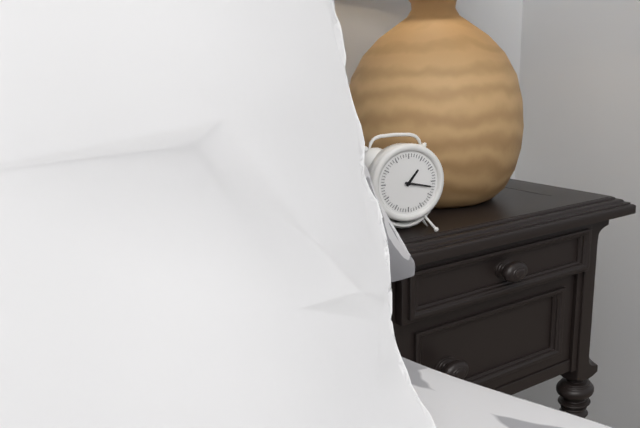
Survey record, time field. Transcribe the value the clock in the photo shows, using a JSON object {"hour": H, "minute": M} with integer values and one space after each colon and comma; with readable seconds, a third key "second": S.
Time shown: {"hour": 1, "minute": 17}
